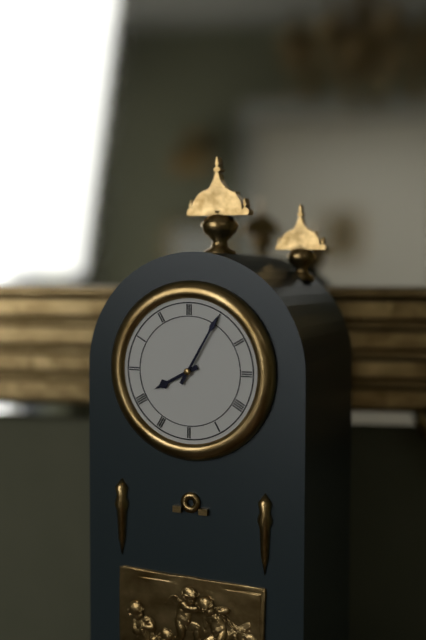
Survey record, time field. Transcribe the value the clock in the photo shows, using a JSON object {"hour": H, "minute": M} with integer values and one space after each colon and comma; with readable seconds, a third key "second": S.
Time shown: {"hour": 8, "minute": 5}
